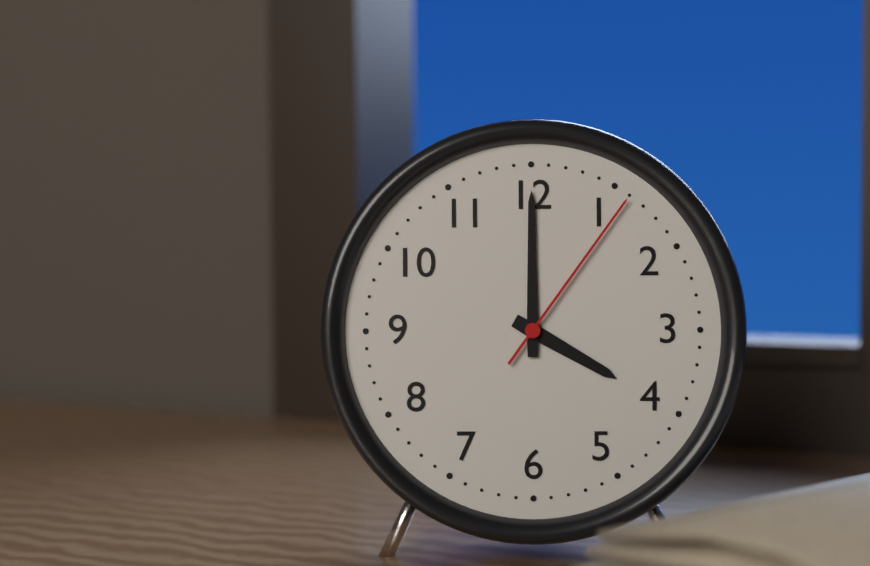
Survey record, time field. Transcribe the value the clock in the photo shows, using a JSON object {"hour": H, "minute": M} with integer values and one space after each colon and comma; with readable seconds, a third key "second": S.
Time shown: {"hour": 4, "minute": 0, "second": 6}
